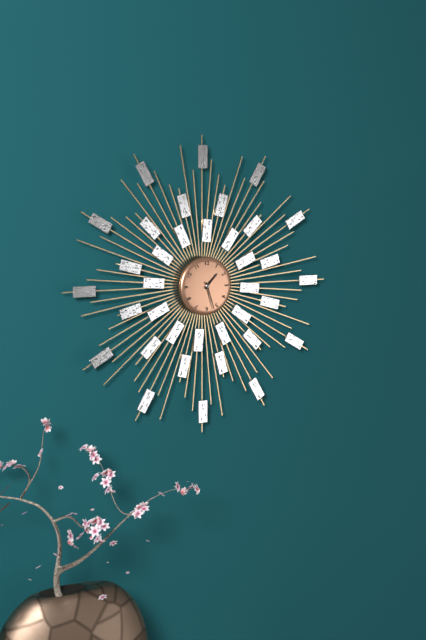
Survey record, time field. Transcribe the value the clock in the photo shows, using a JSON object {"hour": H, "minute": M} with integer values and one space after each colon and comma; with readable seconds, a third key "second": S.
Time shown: {"hour": 1, "minute": 27}
